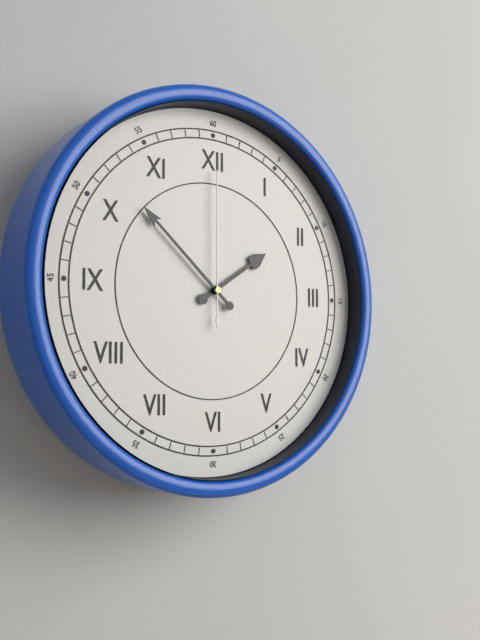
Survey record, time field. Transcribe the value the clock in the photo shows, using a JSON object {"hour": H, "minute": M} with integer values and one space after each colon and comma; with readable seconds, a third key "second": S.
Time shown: {"hour": 1, "minute": 52, "second": 0}
